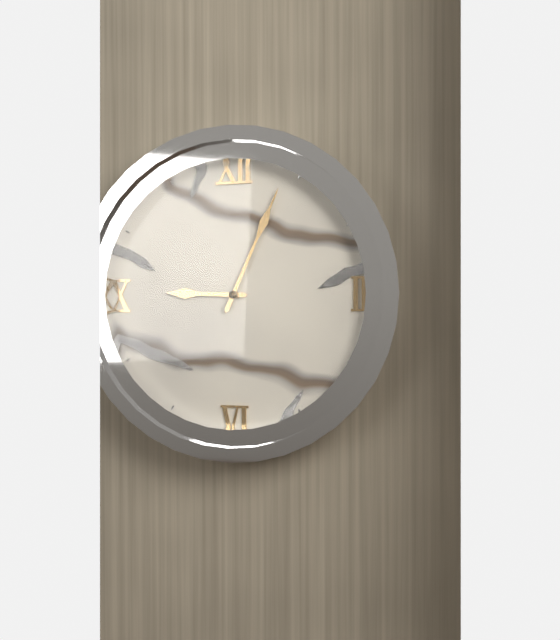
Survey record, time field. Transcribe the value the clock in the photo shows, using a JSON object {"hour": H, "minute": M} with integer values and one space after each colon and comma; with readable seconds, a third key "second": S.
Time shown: {"hour": 9, "minute": 4}
